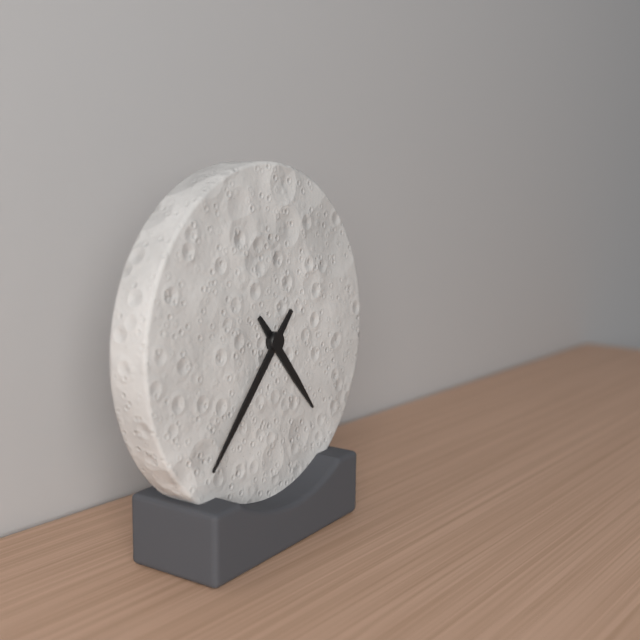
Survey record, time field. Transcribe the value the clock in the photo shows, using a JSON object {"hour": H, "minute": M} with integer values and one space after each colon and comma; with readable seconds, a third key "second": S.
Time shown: {"hour": 4, "minute": 37}
